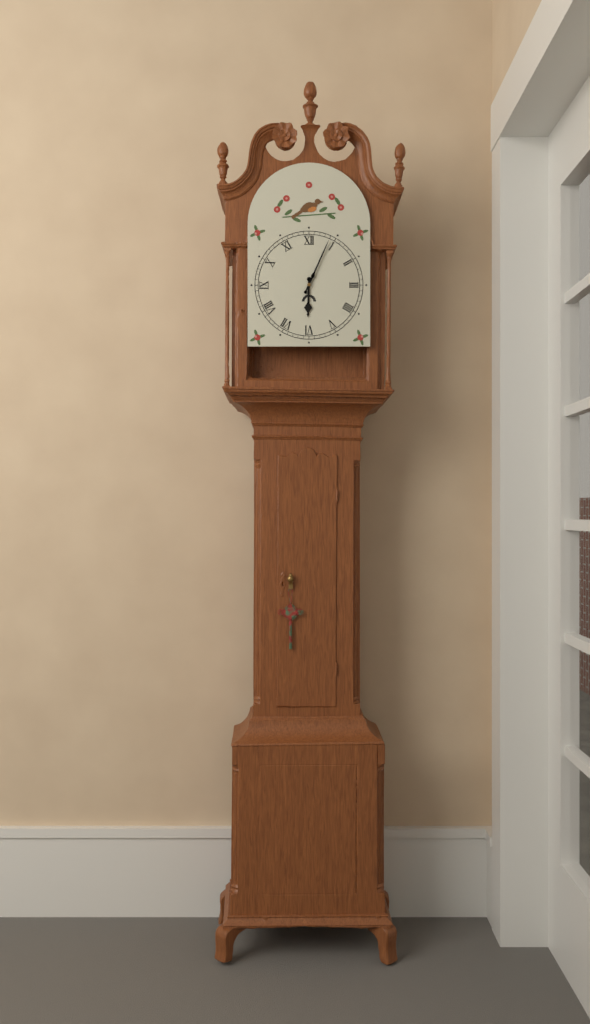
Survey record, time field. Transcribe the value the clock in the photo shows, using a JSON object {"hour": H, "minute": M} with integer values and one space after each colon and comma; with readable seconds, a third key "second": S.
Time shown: {"hour": 6, "minute": 4}
